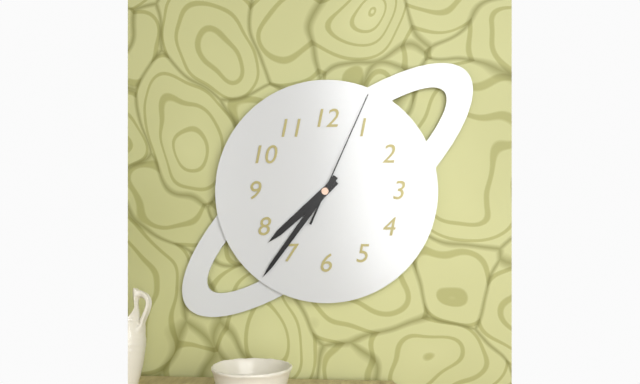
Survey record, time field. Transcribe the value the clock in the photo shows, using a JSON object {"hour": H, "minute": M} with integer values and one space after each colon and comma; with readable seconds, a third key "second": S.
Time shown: {"hour": 7, "minute": 36, "second": 4}
